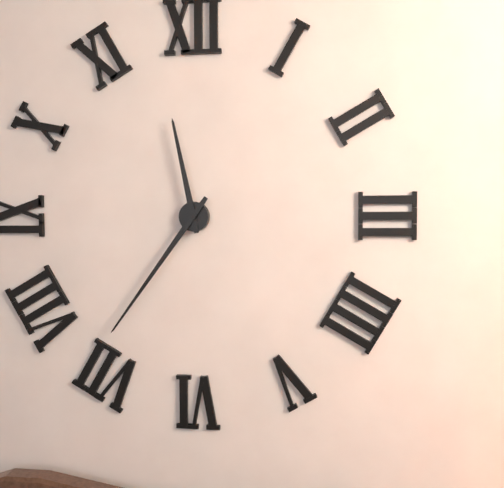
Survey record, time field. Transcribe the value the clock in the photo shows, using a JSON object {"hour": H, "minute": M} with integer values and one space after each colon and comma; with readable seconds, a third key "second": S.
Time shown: {"hour": 11, "minute": 36}
